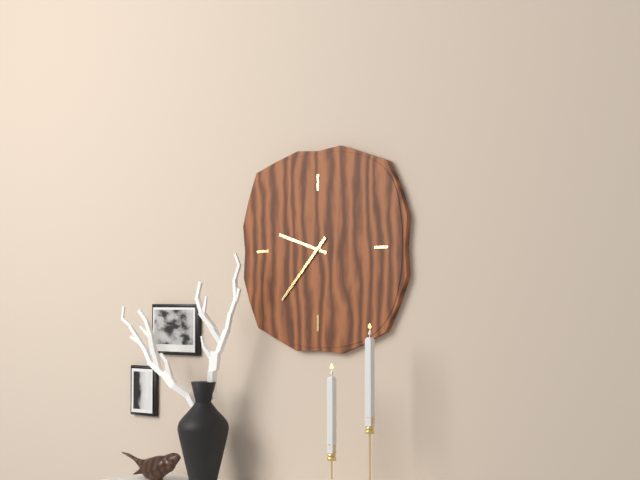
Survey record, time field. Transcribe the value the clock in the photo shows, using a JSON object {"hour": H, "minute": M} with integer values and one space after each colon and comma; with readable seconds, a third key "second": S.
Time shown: {"hour": 9, "minute": 37}
